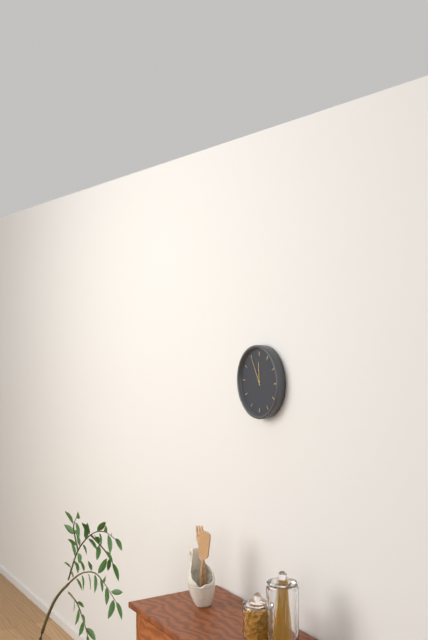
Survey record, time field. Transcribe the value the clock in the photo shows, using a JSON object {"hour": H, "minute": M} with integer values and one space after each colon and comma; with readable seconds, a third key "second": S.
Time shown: {"hour": 11, "minute": 55}
